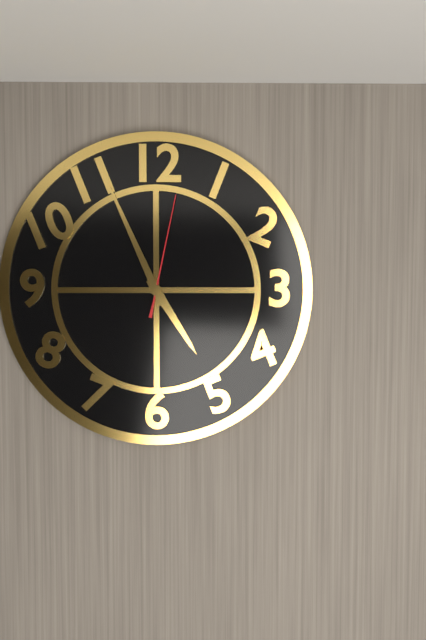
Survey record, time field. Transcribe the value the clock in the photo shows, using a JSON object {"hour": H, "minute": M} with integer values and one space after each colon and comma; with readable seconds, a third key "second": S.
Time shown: {"hour": 4, "minute": 56, "second": 2}
